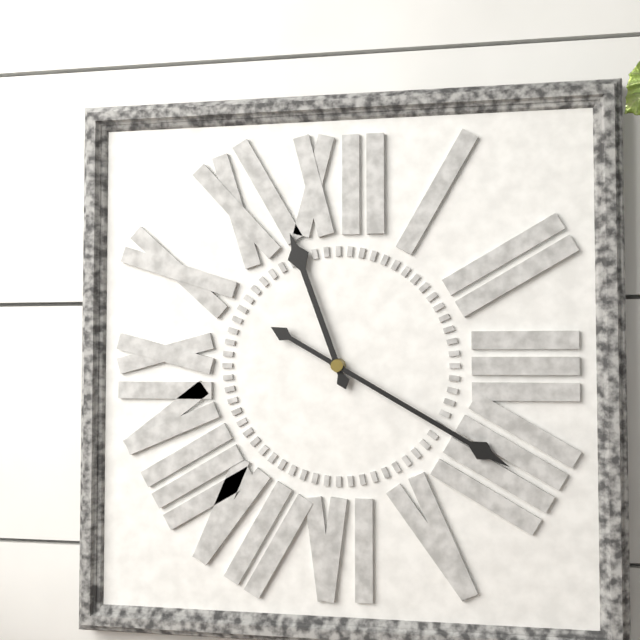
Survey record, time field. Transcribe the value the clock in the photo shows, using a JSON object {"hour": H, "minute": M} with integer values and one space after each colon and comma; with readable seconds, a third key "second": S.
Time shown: {"hour": 11, "minute": 20}
